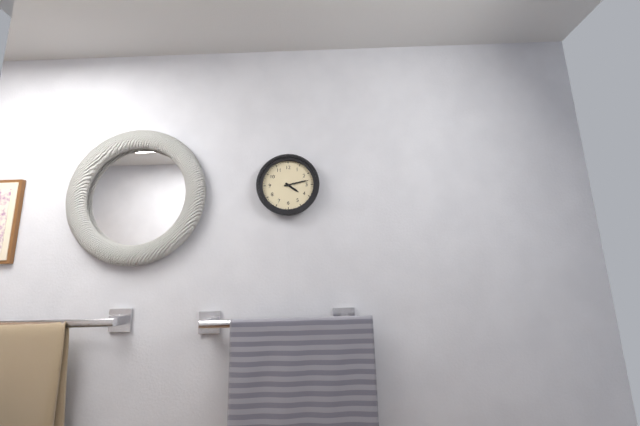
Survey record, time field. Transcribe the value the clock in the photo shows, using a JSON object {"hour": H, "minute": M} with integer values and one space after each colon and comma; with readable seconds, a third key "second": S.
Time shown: {"hour": 4, "minute": 13}
